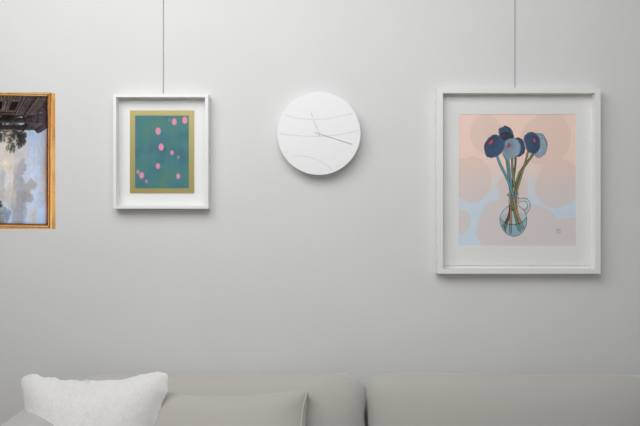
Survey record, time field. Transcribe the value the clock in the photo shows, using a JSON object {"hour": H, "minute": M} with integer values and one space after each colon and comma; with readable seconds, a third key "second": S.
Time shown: {"hour": 11, "minute": 18}
